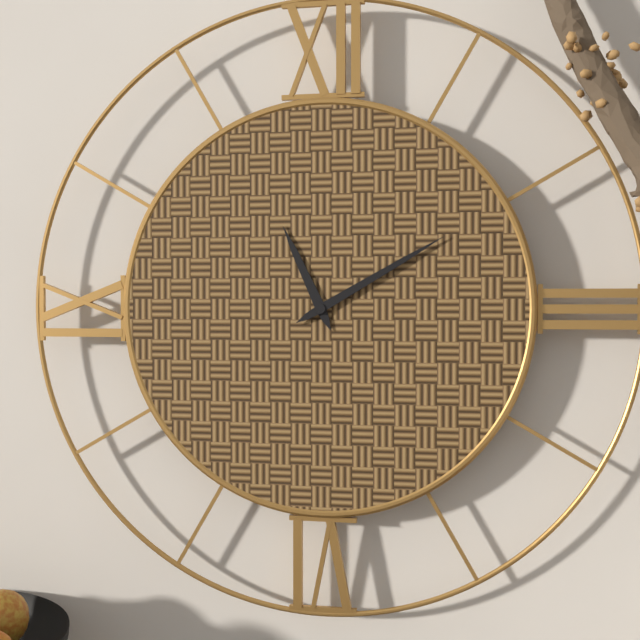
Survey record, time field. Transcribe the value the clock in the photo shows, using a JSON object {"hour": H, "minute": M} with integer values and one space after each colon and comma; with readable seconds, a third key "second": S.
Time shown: {"hour": 11, "minute": 10}
